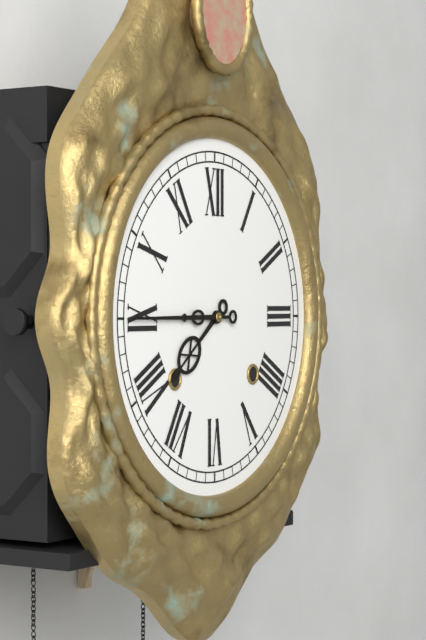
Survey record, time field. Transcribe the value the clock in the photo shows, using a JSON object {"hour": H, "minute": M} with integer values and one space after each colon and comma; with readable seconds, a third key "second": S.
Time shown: {"hour": 7, "minute": 45}
